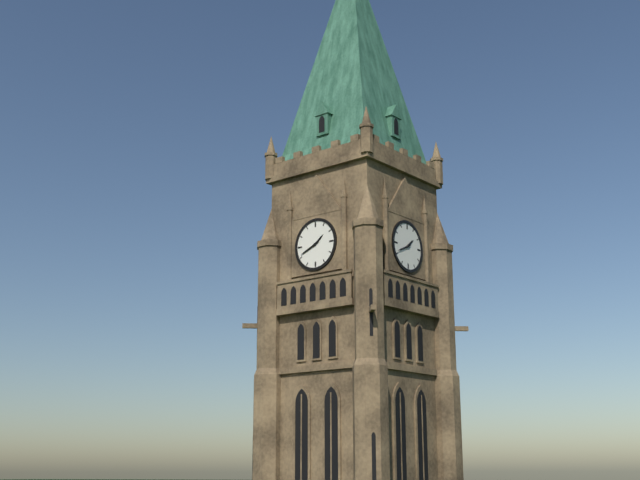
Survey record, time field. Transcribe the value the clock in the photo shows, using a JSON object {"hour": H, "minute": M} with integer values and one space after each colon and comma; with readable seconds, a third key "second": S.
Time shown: {"hour": 1, "minute": 41}
